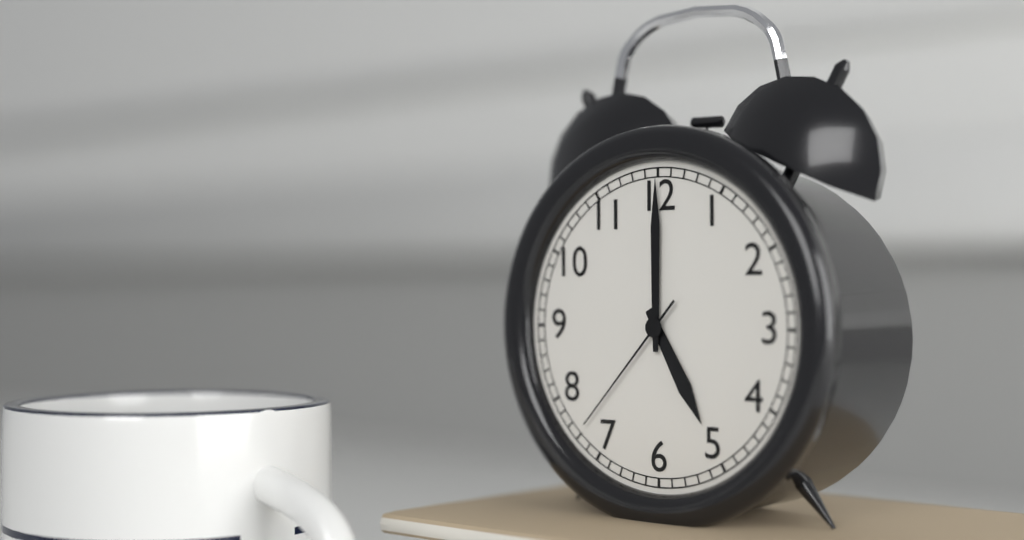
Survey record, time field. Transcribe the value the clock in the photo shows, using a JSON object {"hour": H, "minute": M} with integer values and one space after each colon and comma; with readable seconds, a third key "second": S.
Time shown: {"hour": 5, "minute": 0, "second": 37}
